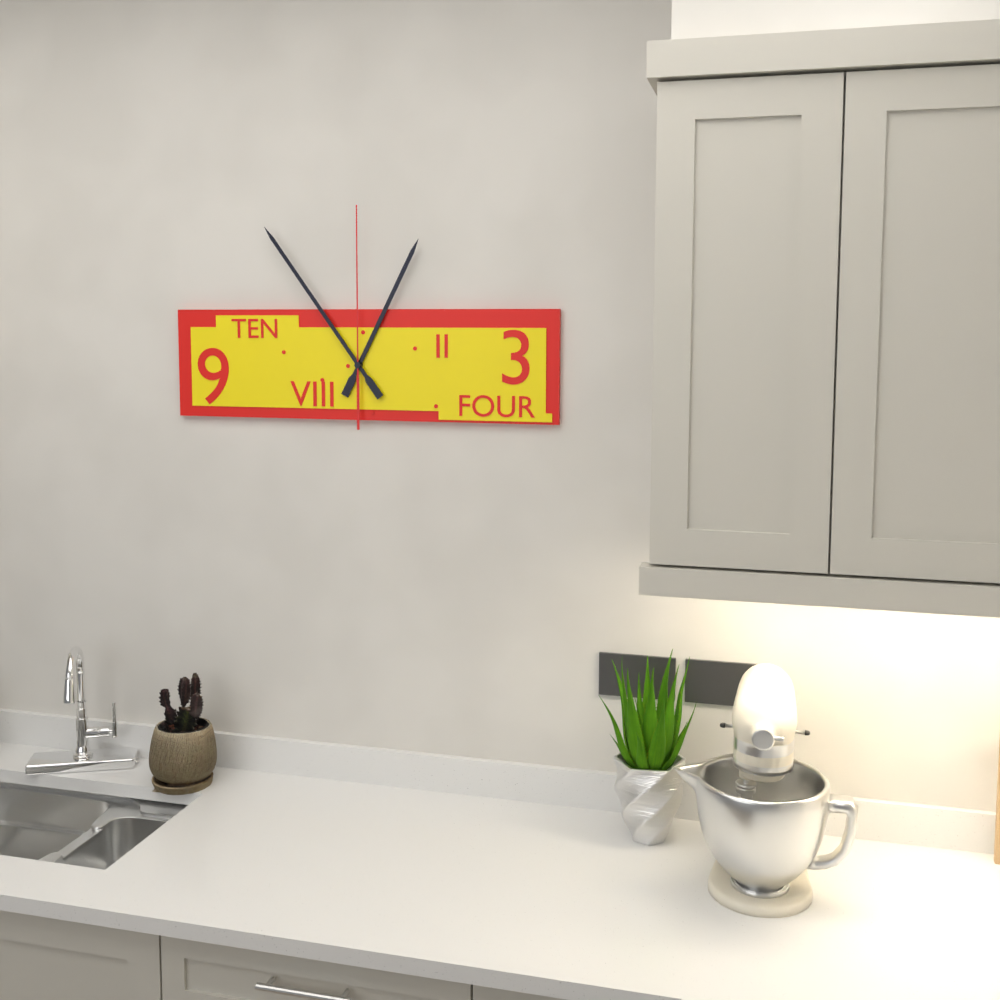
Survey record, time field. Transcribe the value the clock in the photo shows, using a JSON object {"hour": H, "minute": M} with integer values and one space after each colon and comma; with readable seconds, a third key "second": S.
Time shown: {"hour": 12, "minute": 54, "second": 0}
